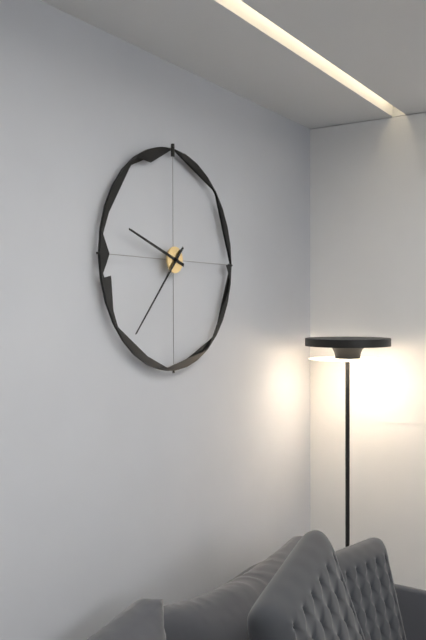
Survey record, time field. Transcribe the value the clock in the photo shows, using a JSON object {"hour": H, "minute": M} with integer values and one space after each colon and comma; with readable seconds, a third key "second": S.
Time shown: {"hour": 9, "minute": 37}
